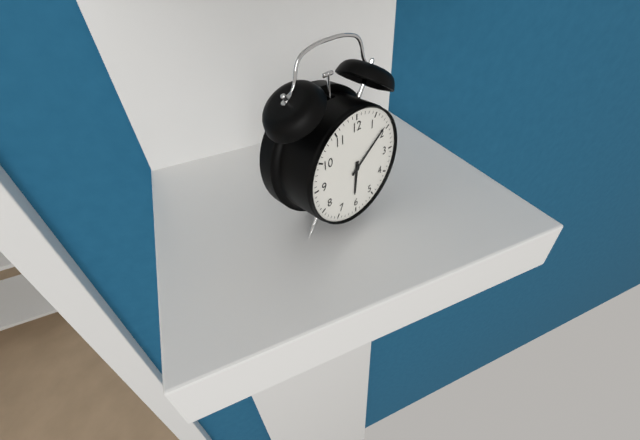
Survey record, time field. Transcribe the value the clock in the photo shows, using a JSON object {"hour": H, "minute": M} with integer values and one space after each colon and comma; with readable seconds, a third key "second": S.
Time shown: {"hour": 6, "minute": 9}
